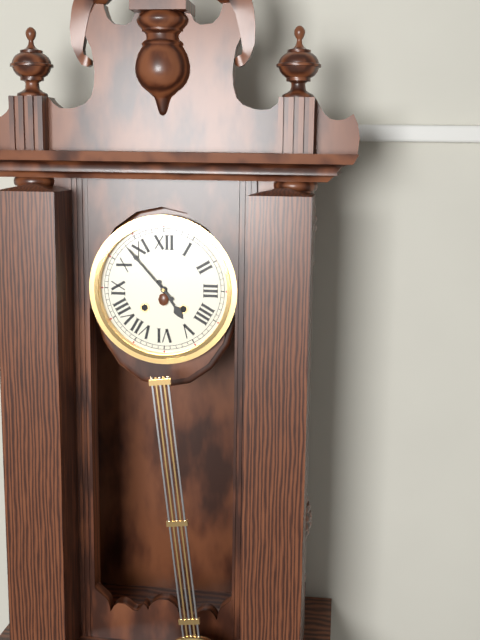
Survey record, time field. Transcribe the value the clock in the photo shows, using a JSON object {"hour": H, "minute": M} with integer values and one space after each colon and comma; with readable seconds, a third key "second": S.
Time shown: {"hour": 4, "minute": 53}
